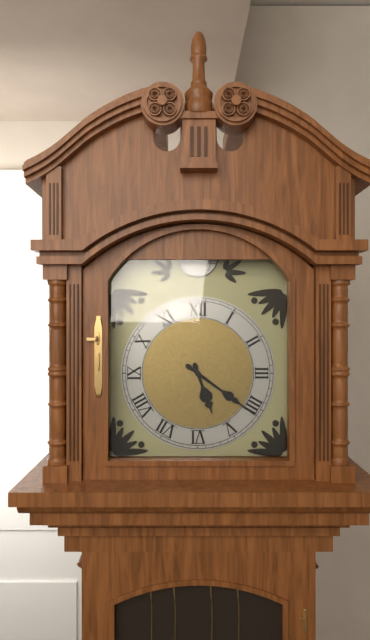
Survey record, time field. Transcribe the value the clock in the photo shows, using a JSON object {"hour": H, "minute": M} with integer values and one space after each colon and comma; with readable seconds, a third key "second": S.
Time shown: {"hour": 5, "minute": 21}
